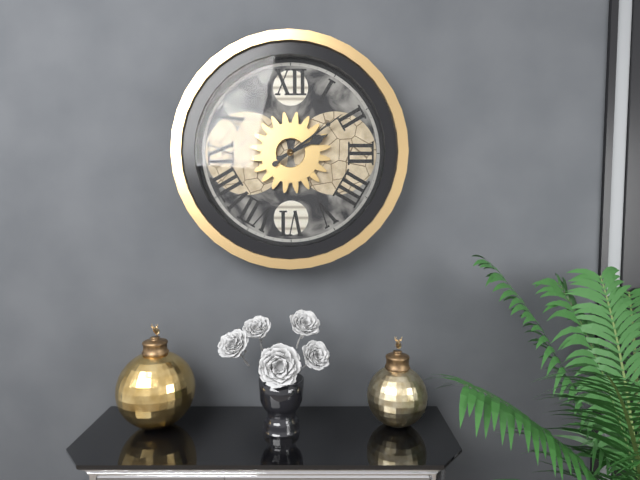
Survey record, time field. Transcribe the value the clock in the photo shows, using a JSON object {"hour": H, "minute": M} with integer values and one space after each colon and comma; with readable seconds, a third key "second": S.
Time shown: {"hour": 2, "minute": 9}
